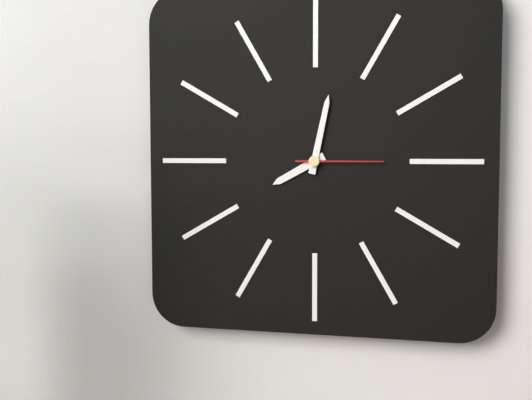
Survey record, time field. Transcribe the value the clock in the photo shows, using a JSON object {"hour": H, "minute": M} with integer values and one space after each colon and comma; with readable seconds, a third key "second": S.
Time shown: {"hour": 8, "minute": 2, "second": 15}
